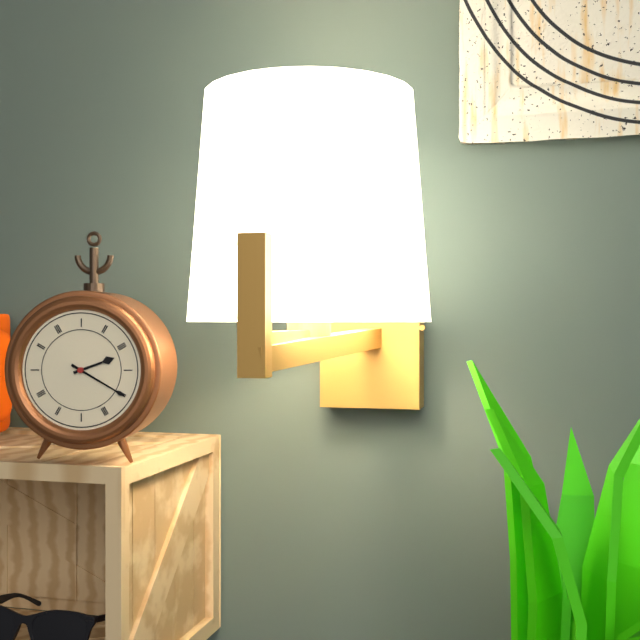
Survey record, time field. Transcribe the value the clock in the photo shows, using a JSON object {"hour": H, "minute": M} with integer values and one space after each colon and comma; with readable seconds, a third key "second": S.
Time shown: {"hour": 2, "minute": 20}
